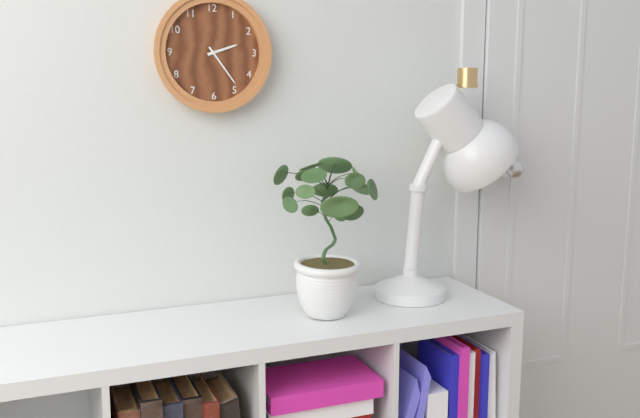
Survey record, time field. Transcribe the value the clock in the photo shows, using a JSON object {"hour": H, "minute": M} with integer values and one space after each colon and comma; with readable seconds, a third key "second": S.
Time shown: {"hour": 2, "minute": 24}
